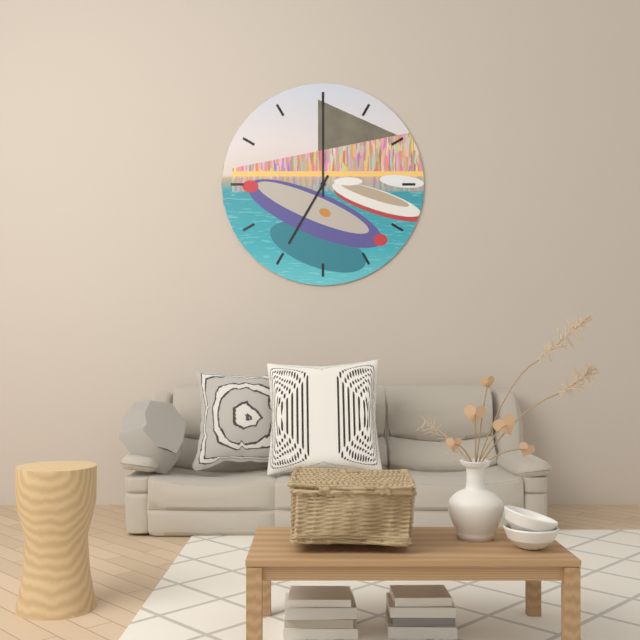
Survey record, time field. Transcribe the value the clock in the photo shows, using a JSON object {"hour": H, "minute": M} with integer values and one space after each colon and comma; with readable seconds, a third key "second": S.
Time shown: {"hour": 7, "minute": 0}
